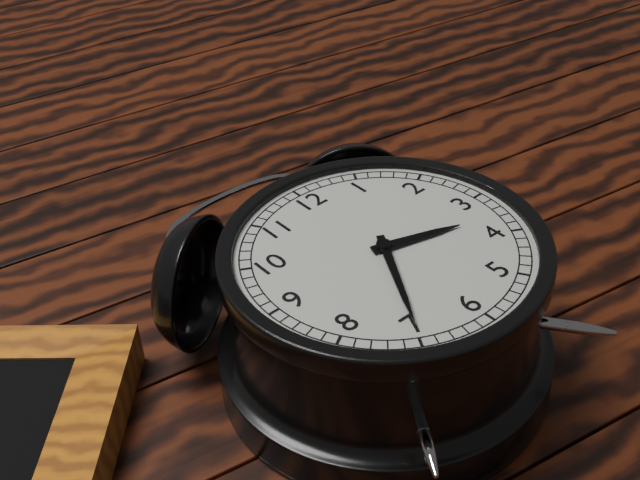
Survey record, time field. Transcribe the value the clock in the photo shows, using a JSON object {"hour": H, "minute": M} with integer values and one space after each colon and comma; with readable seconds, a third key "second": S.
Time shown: {"hour": 3, "minute": 35}
